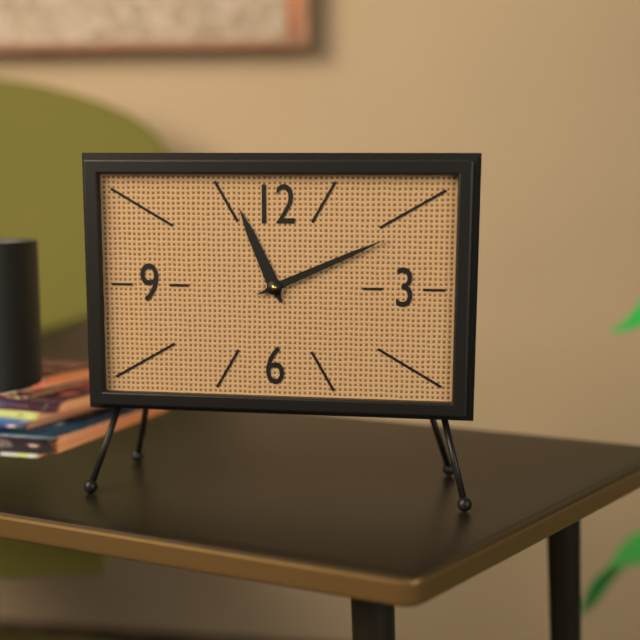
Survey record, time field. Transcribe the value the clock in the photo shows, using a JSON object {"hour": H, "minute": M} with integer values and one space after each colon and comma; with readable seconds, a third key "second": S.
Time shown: {"hour": 11, "minute": 11}
